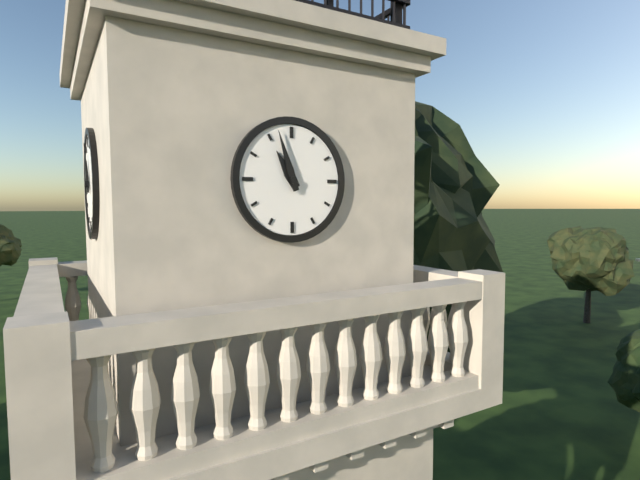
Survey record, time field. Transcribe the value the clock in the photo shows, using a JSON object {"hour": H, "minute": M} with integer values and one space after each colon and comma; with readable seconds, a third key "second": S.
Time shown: {"hour": 10, "minute": 57}
